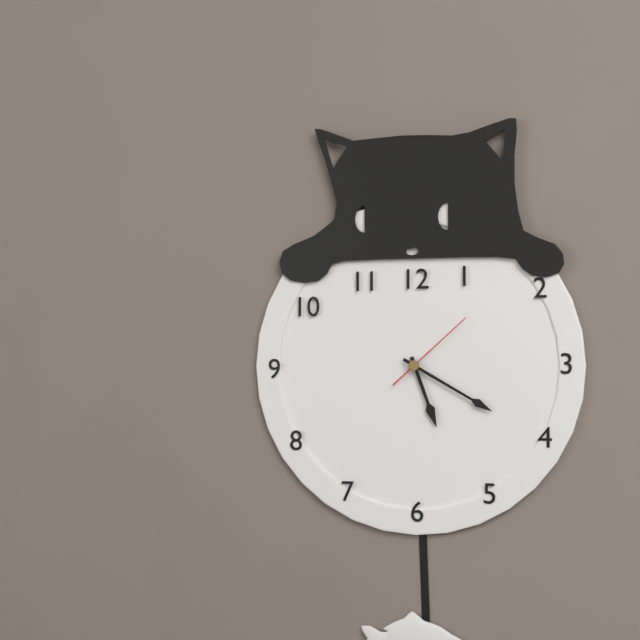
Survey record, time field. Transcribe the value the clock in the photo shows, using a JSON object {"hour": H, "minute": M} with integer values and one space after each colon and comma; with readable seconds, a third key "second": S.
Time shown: {"hour": 5, "minute": 20, "second": 8}
